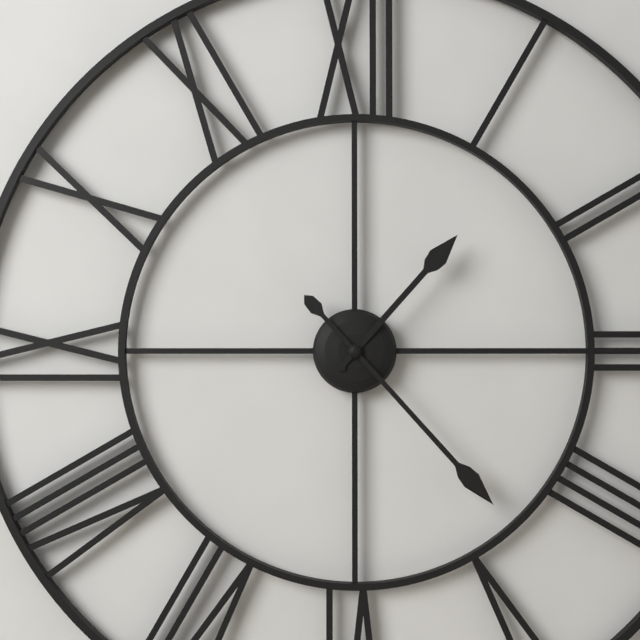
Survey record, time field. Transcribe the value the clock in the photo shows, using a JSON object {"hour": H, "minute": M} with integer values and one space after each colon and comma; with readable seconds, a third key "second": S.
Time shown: {"hour": 1, "minute": 23}
